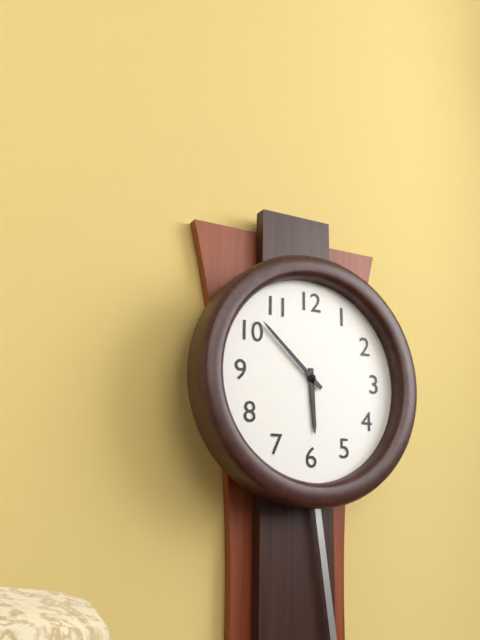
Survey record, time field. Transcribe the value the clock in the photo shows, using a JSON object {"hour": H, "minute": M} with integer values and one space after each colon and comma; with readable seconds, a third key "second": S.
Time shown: {"hour": 5, "minute": 52}
